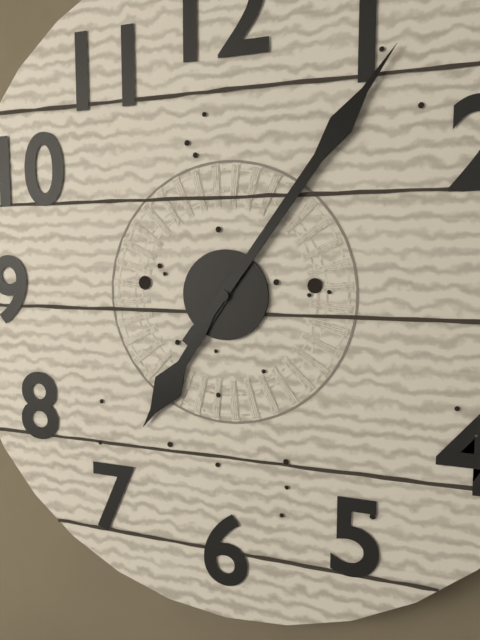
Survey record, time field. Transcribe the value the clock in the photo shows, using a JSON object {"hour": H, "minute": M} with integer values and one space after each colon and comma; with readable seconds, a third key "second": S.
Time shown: {"hour": 7, "minute": 6}
